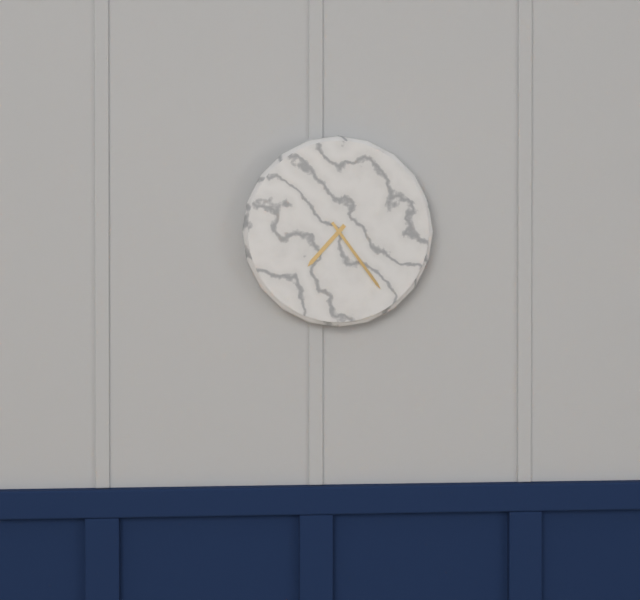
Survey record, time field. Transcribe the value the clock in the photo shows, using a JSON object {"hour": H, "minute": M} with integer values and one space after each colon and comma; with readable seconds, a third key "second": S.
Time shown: {"hour": 7, "minute": 24}
